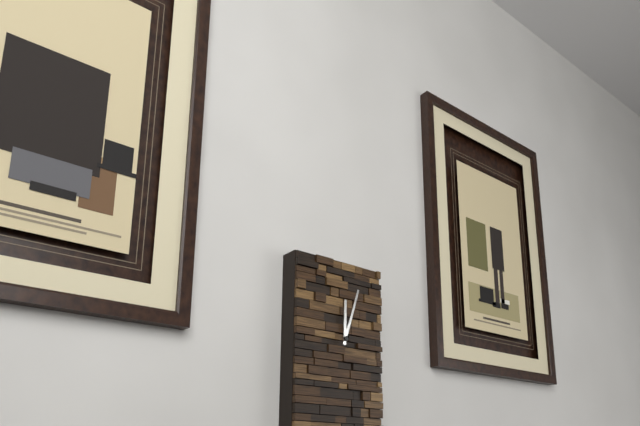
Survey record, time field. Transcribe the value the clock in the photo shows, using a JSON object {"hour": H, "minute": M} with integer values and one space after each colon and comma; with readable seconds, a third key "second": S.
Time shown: {"hour": 12, "minute": 3}
